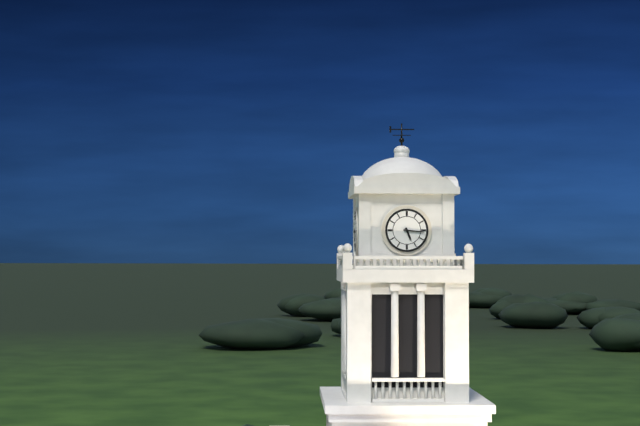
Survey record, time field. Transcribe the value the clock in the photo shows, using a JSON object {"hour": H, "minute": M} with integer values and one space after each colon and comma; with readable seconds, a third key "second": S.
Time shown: {"hour": 5, "minute": 16}
